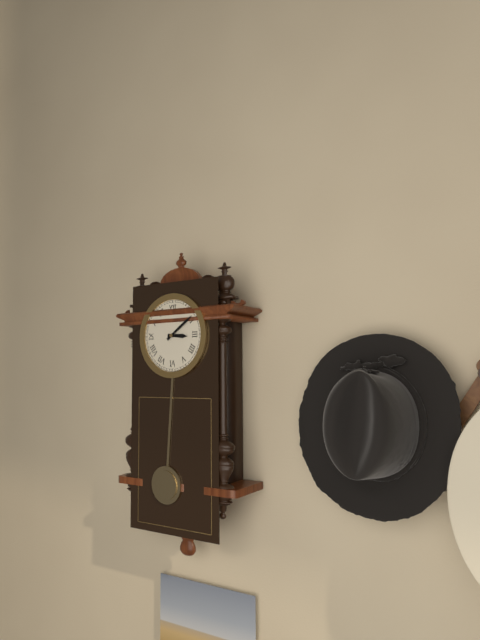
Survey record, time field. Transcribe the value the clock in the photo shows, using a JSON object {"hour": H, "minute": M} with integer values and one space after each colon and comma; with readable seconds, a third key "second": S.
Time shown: {"hour": 3, "minute": 9}
